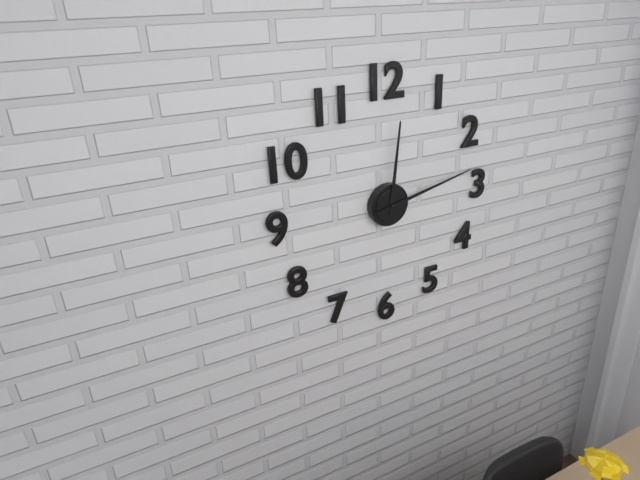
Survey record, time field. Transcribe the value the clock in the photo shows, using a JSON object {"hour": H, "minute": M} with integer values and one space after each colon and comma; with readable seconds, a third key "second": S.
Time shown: {"hour": 12, "minute": 13}
